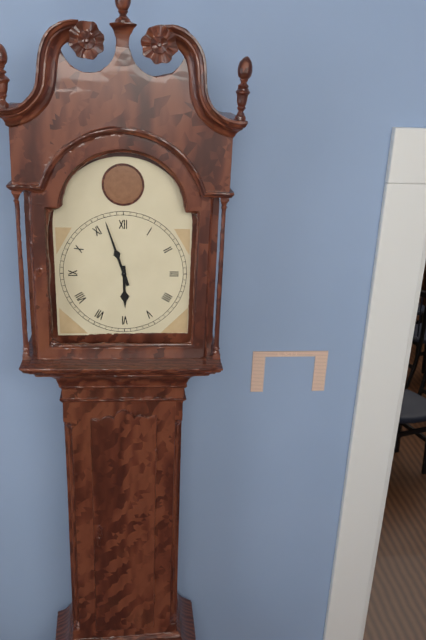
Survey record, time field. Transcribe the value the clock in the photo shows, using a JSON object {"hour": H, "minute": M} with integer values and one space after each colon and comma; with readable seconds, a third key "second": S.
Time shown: {"hour": 5, "minute": 57}
